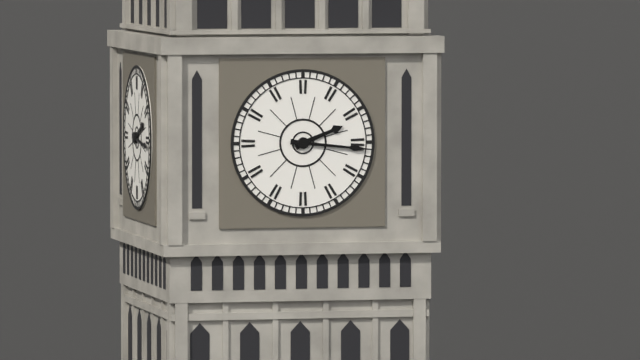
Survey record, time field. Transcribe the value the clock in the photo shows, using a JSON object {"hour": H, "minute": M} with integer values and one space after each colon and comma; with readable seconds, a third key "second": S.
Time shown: {"hour": 2, "minute": 16}
